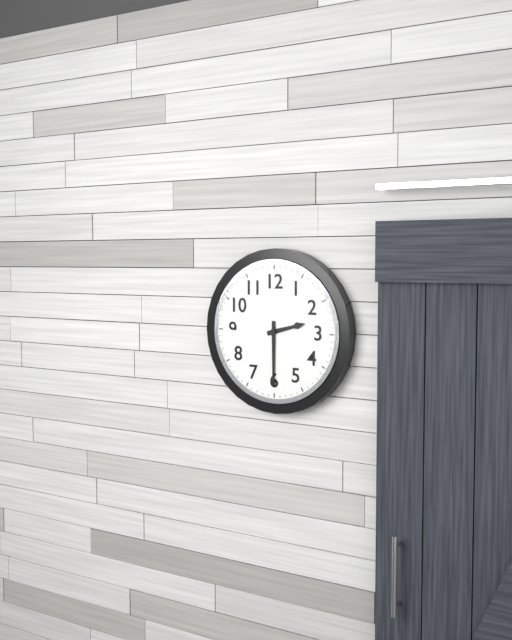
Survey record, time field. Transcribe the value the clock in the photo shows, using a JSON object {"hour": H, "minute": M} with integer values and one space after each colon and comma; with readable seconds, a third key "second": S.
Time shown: {"hour": 2, "minute": 30}
